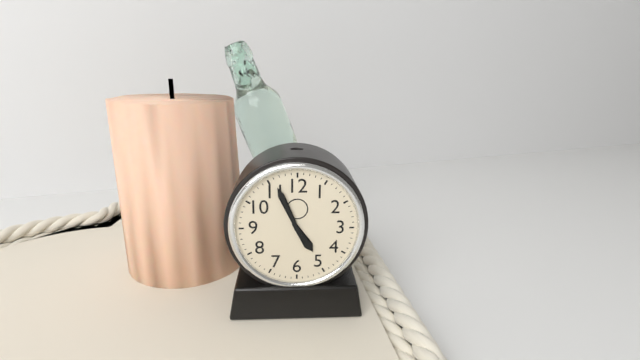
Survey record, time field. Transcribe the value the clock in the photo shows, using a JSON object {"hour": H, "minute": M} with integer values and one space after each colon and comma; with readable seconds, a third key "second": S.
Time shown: {"hour": 4, "minute": 56}
